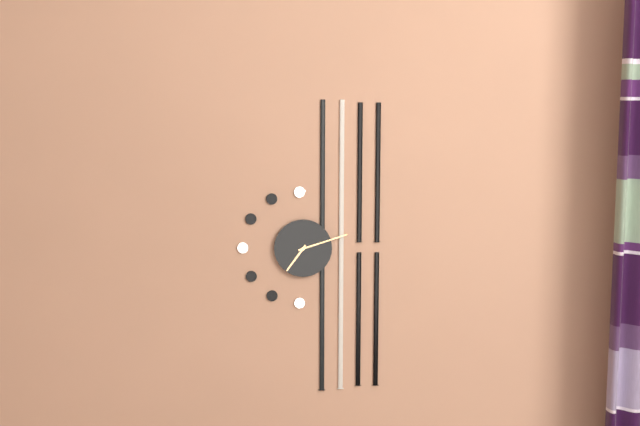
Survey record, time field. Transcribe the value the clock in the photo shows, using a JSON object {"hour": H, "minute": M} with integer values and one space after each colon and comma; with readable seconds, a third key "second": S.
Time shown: {"hour": 7, "minute": 12}
